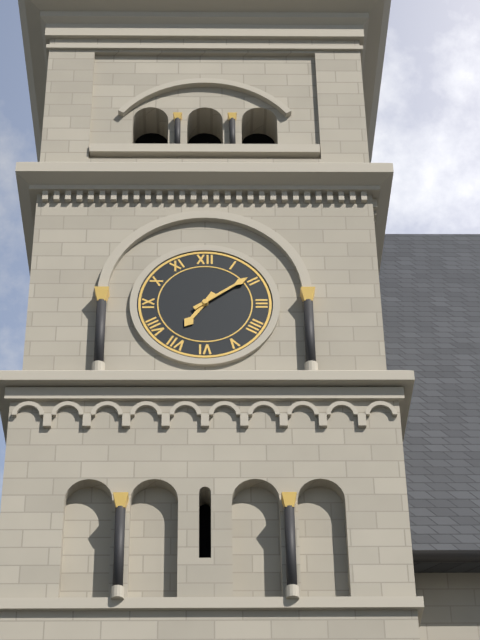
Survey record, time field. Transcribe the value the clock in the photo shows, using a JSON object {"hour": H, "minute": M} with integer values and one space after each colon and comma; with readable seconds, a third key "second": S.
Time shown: {"hour": 7, "minute": 9}
